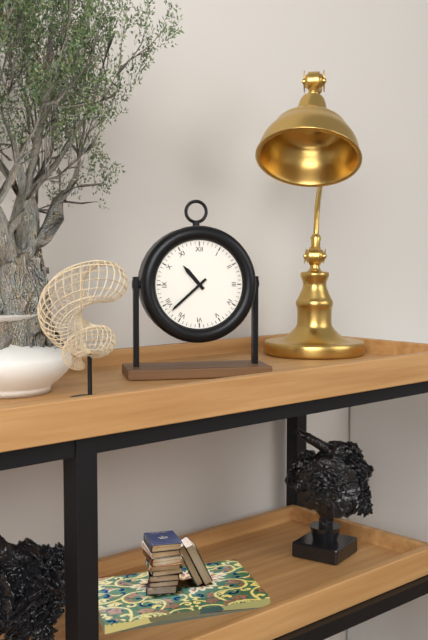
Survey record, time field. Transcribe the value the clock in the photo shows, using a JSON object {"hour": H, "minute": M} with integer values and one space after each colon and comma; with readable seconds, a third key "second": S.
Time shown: {"hour": 10, "minute": 38}
